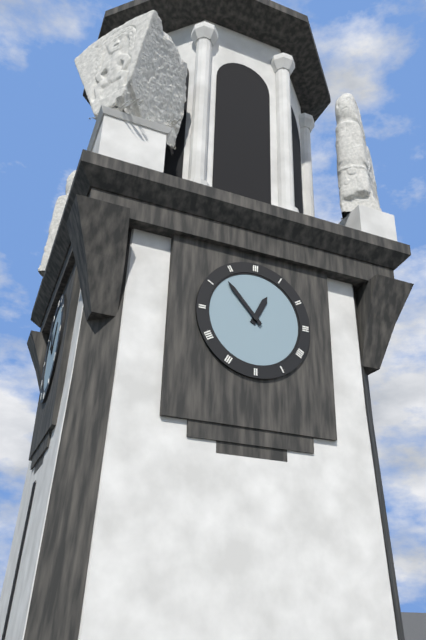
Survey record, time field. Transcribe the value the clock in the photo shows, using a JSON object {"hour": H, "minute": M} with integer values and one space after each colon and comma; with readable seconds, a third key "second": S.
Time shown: {"hour": 12, "minute": 53}
